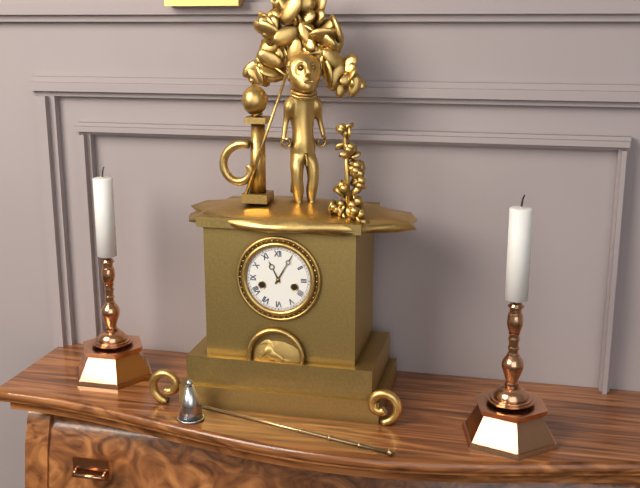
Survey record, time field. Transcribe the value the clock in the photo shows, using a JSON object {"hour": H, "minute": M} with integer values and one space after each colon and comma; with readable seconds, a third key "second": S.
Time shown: {"hour": 11, "minute": 5}
